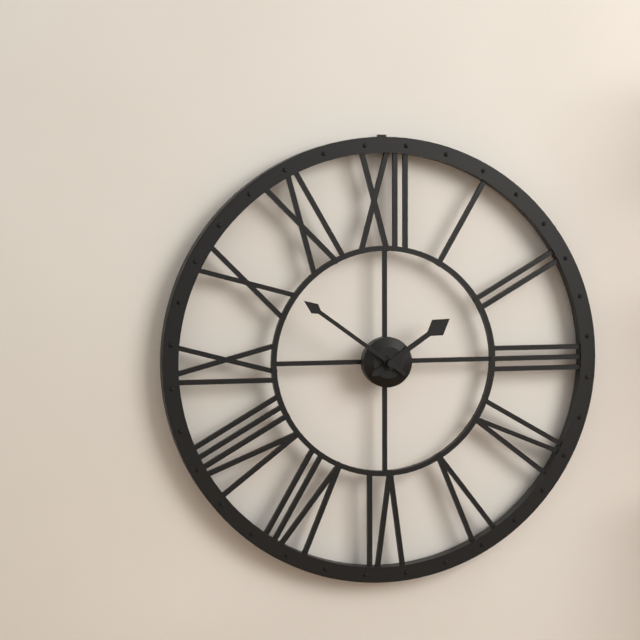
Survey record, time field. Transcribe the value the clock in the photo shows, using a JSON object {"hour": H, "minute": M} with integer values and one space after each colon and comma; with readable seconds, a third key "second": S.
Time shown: {"hour": 1, "minute": 51}
